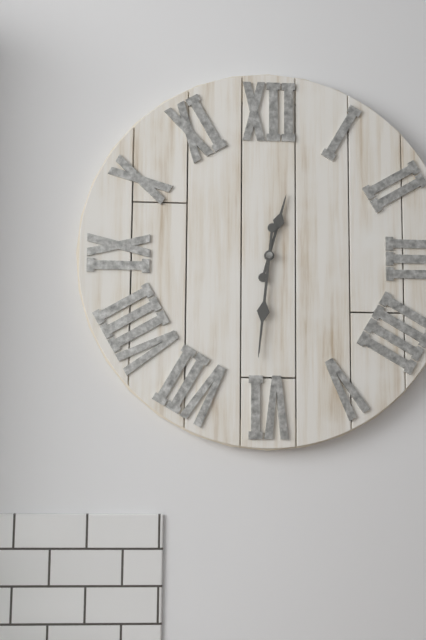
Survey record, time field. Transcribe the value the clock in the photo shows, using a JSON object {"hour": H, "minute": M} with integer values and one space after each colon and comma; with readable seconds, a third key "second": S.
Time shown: {"hour": 12, "minute": 31}
